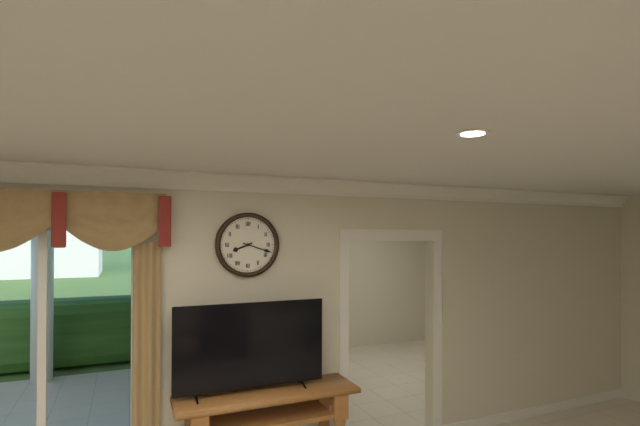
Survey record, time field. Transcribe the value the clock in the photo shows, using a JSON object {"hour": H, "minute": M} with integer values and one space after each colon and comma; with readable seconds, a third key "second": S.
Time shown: {"hour": 8, "minute": 18}
